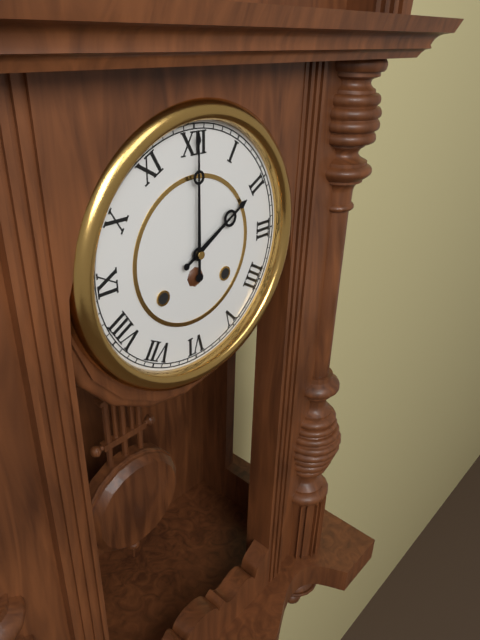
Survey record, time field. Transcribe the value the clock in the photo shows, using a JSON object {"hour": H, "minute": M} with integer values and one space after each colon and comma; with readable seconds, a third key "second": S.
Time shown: {"hour": 2, "minute": 0}
